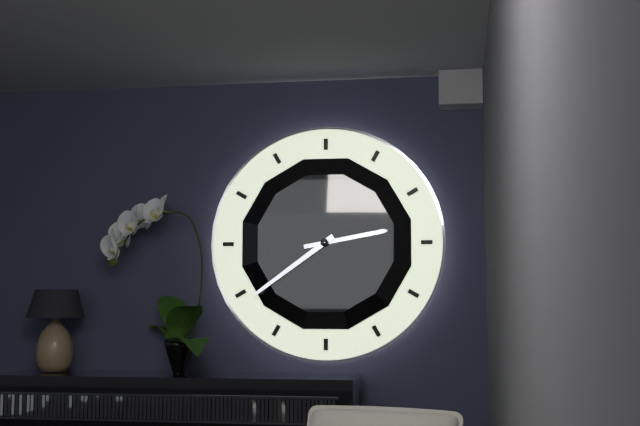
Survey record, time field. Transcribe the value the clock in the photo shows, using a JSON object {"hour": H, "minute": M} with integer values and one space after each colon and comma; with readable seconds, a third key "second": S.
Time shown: {"hour": 2, "minute": 39}
